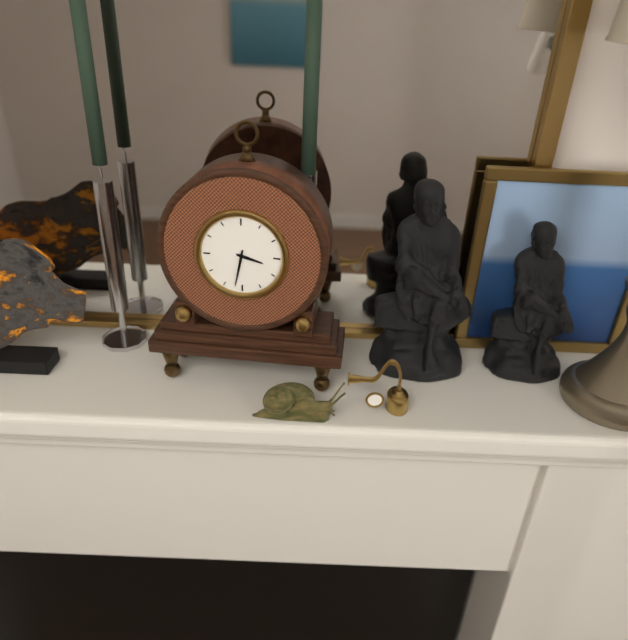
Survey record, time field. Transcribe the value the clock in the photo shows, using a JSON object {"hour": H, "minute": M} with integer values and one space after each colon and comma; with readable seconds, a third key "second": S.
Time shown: {"hour": 3, "minute": 32}
